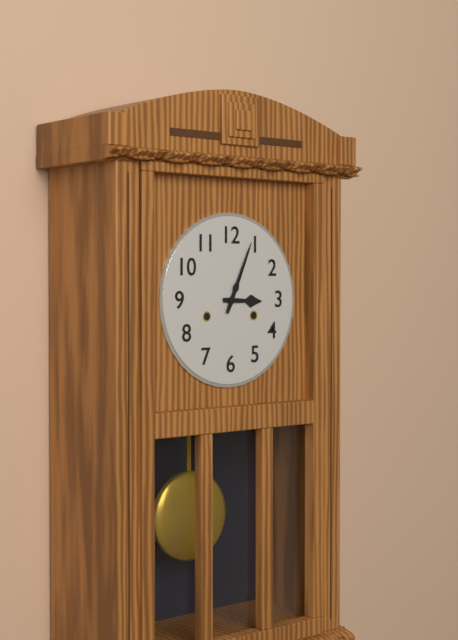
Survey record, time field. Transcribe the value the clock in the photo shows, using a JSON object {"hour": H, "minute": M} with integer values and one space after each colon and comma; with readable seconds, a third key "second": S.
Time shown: {"hour": 3, "minute": 4}
